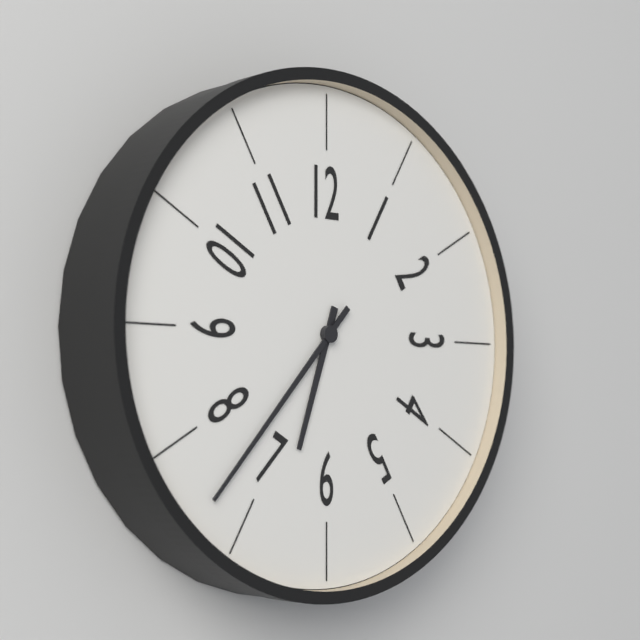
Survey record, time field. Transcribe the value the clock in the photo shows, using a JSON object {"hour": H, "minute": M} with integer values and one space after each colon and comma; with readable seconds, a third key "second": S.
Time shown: {"hour": 6, "minute": 37}
